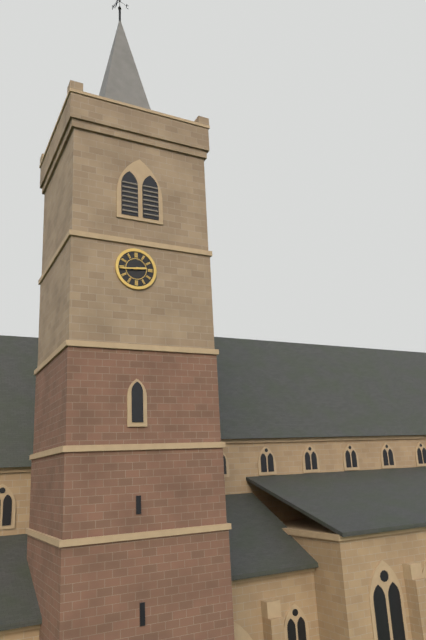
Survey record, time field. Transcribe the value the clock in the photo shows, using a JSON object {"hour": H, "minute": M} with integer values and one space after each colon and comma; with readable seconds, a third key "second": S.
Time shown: {"hour": 2, "minute": 44}
